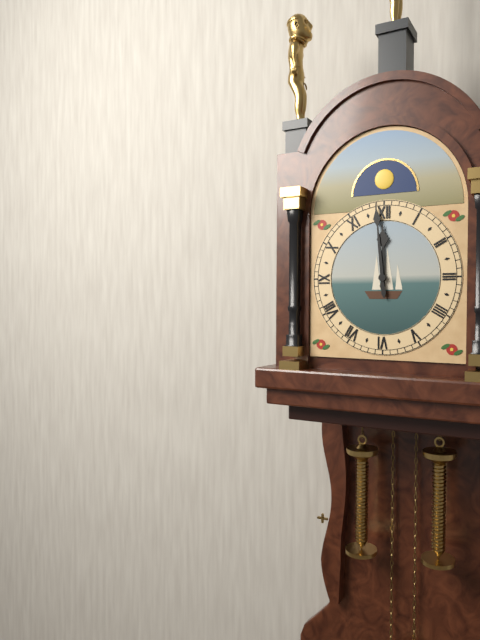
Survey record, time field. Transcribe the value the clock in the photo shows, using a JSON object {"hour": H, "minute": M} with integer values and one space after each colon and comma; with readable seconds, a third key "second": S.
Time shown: {"hour": 11, "minute": 59}
